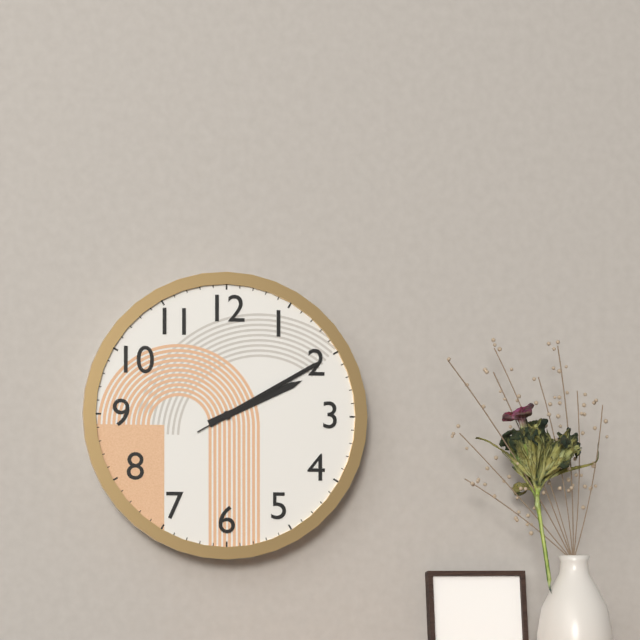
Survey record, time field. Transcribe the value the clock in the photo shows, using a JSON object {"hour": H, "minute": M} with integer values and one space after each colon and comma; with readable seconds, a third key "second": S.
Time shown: {"hour": 2, "minute": 10, "second": 10}
